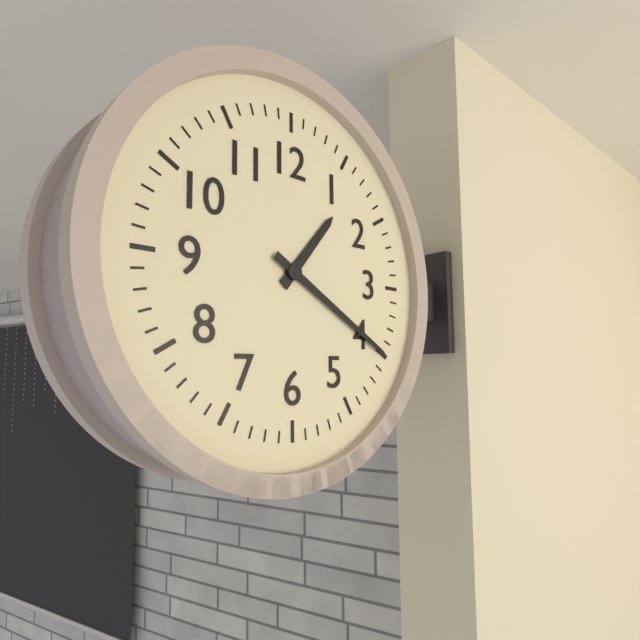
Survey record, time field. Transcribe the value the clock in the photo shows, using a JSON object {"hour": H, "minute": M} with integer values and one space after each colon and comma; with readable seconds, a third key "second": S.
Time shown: {"hour": 1, "minute": 20}
